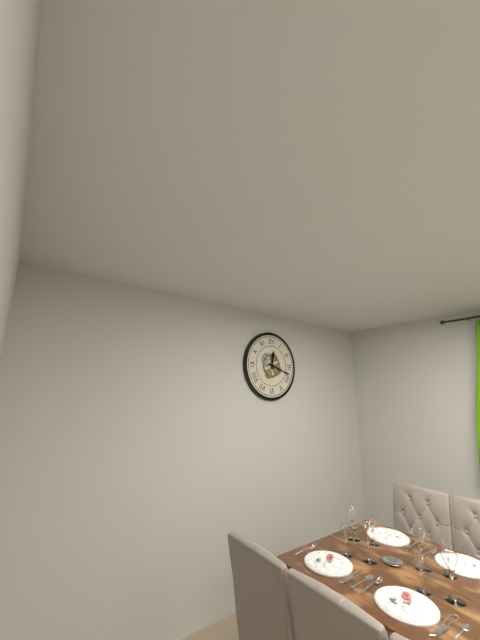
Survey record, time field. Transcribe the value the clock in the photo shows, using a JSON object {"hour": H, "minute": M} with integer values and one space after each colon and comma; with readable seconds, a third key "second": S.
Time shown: {"hour": 12, "minute": 18}
